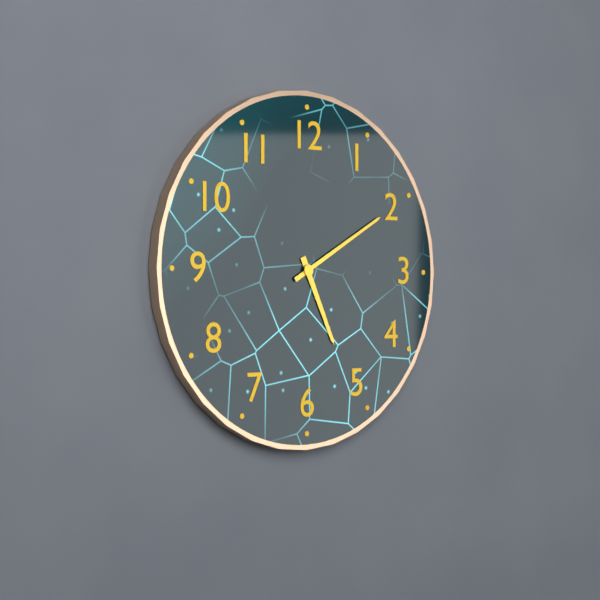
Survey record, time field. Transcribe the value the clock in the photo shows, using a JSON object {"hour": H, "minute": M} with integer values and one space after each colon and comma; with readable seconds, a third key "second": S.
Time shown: {"hour": 5, "minute": 10}
